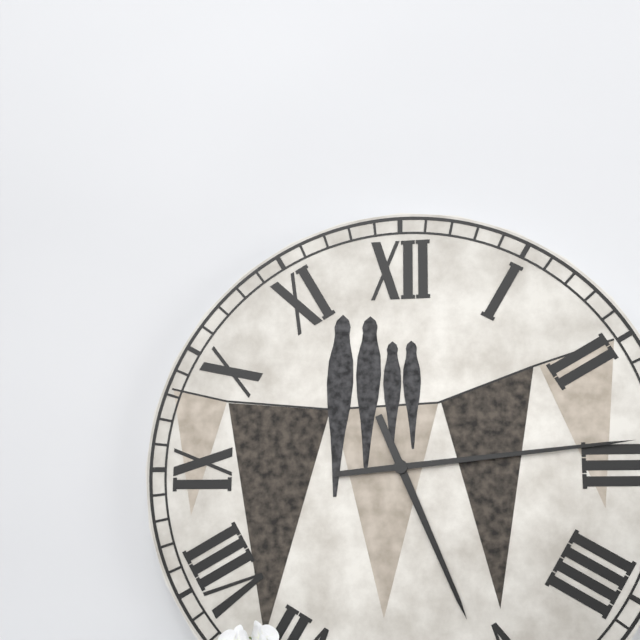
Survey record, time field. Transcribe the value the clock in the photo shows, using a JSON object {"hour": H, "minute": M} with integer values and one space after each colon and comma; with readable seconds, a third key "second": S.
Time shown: {"hour": 5, "minute": 14}
